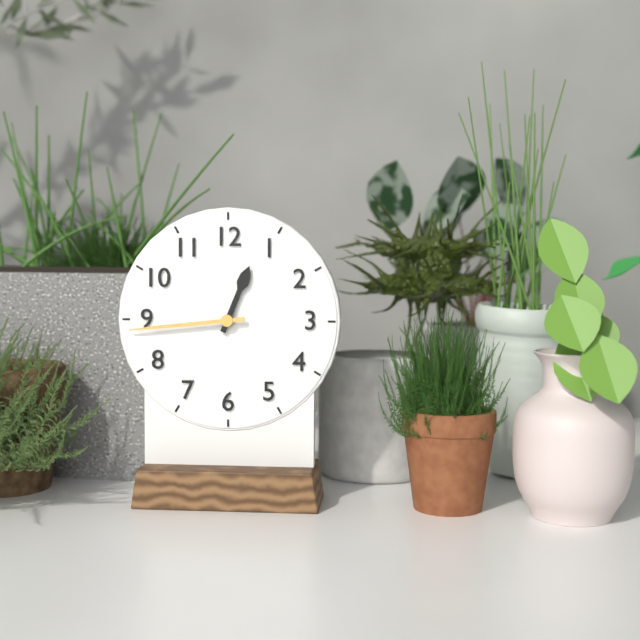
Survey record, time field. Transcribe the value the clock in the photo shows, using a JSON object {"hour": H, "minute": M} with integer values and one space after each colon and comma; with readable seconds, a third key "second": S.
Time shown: {"hour": 12, "minute": 44}
